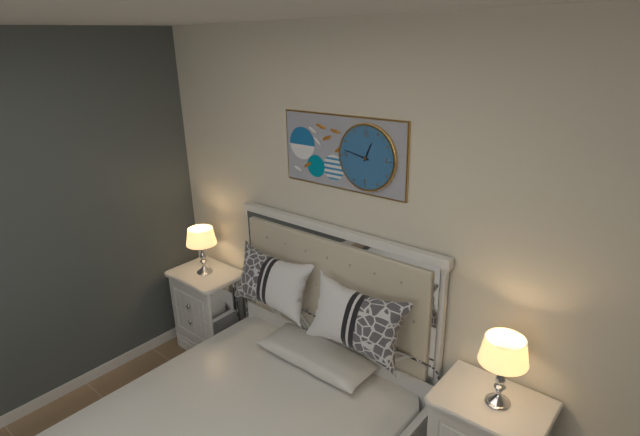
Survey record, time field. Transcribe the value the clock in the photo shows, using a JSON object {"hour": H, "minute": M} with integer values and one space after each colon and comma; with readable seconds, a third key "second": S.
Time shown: {"hour": 12, "minute": 47}
